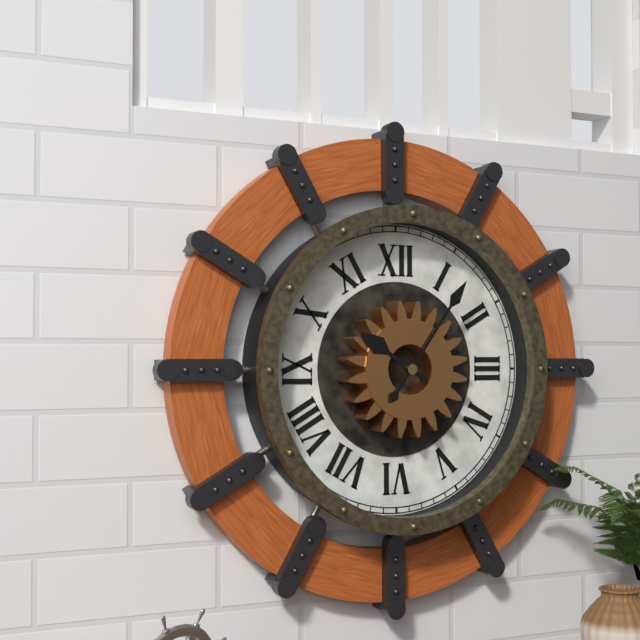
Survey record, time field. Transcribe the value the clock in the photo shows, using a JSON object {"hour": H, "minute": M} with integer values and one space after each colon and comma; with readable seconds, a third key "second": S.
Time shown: {"hour": 10, "minute": 6}
